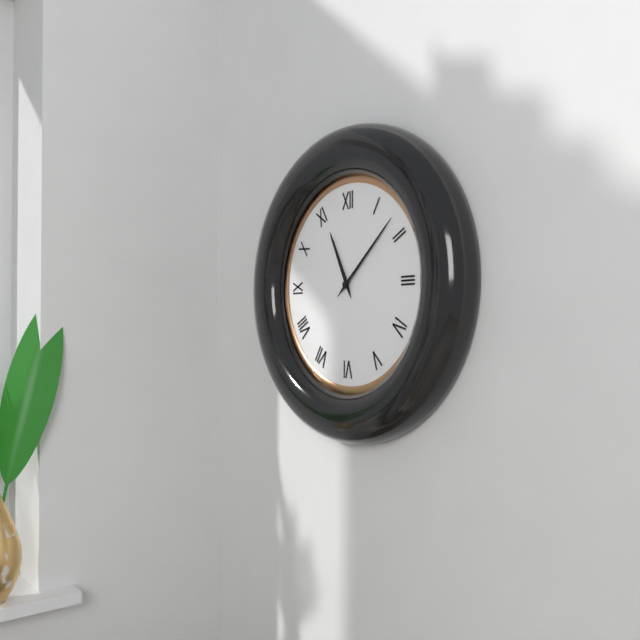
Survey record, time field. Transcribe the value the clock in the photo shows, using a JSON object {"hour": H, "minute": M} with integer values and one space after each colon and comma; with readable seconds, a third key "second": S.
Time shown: {"hour": 11, "minute": 8}
